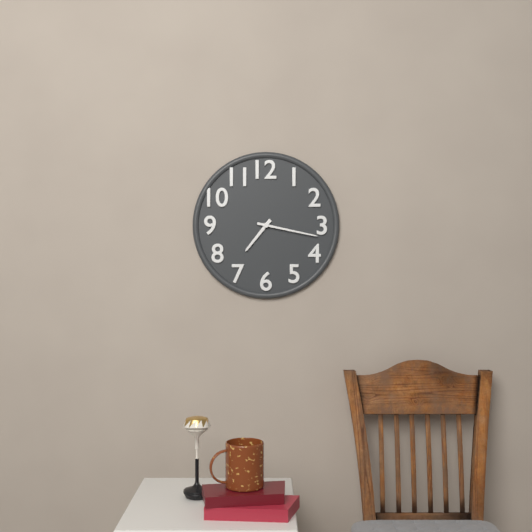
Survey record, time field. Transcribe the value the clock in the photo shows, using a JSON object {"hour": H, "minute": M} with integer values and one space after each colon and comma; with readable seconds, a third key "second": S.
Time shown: {"hour": 7, "minute": 17}
